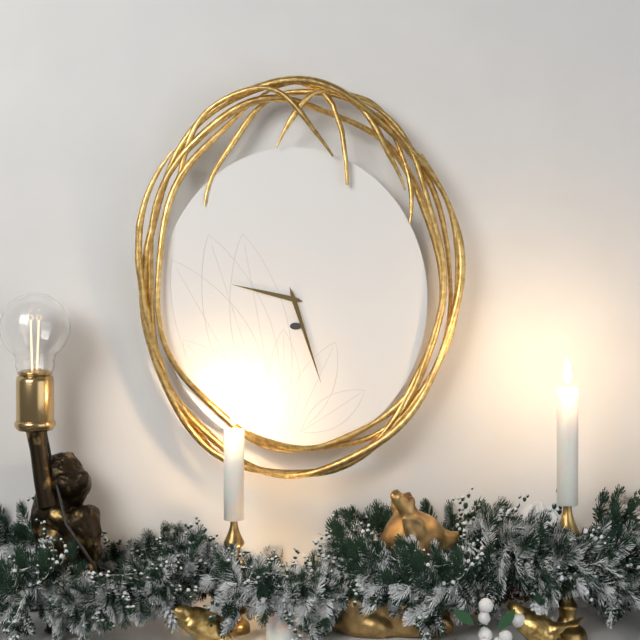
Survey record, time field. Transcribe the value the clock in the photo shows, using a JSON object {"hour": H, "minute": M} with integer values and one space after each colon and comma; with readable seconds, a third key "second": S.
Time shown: {"hour": 9, "minute": 27}
